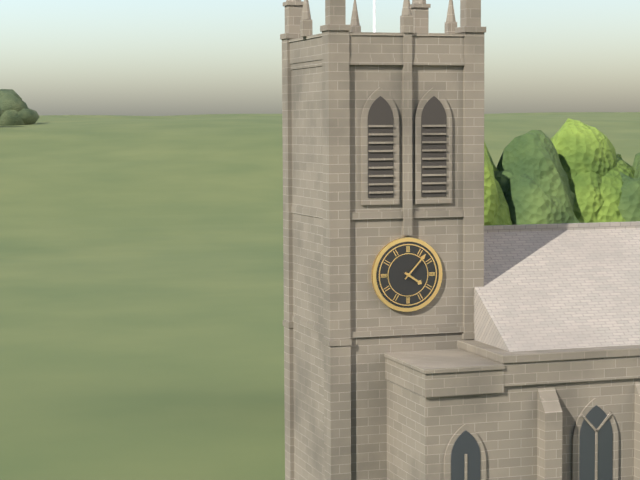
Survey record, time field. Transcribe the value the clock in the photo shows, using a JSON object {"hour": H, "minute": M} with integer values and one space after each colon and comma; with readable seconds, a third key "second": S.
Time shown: {"hour": 4, "minute": 7}
